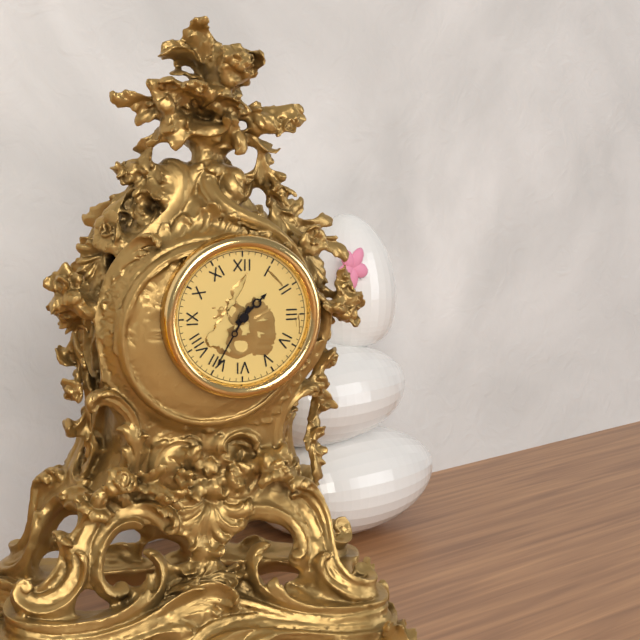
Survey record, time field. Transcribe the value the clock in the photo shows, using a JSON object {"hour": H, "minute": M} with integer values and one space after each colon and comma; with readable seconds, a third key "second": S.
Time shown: {"hour": 1, "minute": 35}
